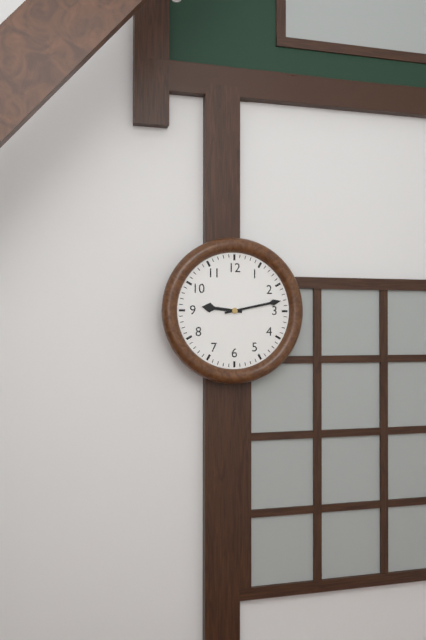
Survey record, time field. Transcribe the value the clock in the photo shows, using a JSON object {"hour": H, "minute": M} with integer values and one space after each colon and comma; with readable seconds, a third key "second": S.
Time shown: {"hour": 9, "minute": 13}
